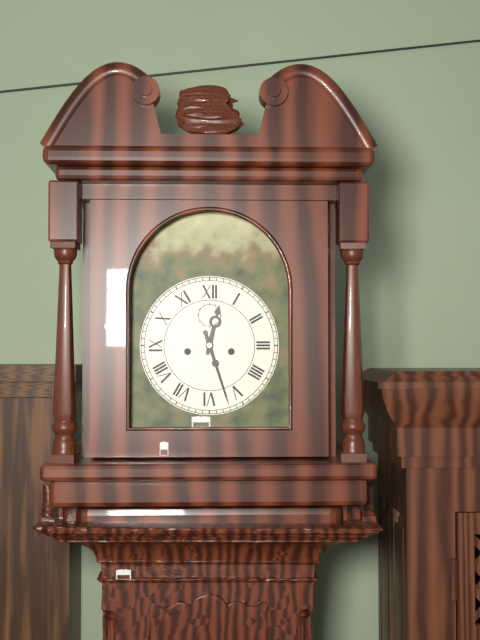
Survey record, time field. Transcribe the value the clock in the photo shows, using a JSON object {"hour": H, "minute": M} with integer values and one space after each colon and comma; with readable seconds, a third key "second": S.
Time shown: {"hour": 12, "minute": 27}
